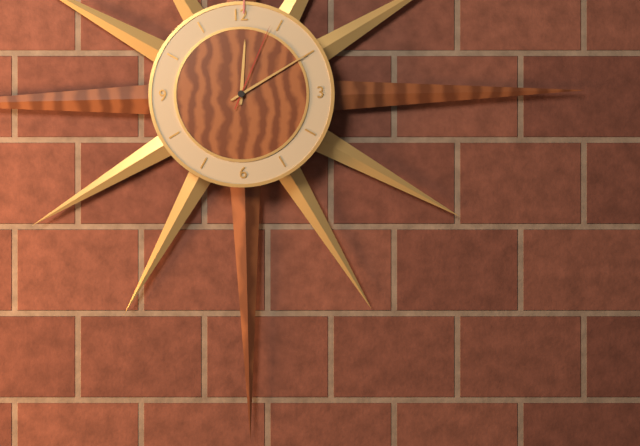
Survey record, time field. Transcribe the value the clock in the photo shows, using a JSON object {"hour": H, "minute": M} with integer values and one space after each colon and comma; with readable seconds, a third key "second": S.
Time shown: {"hour": 12, "minute": 10, "second": 4}
